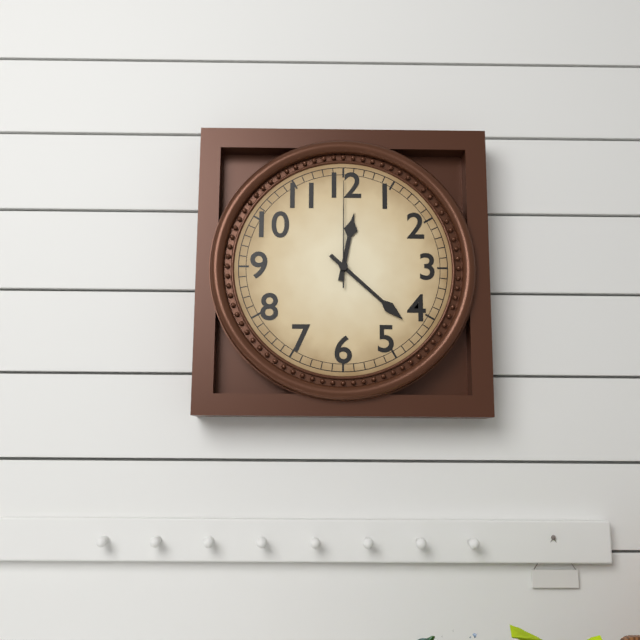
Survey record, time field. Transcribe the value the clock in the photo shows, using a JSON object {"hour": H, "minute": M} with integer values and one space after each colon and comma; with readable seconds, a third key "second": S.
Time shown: {"hour": 12, "minute": 22, "second": 0}
